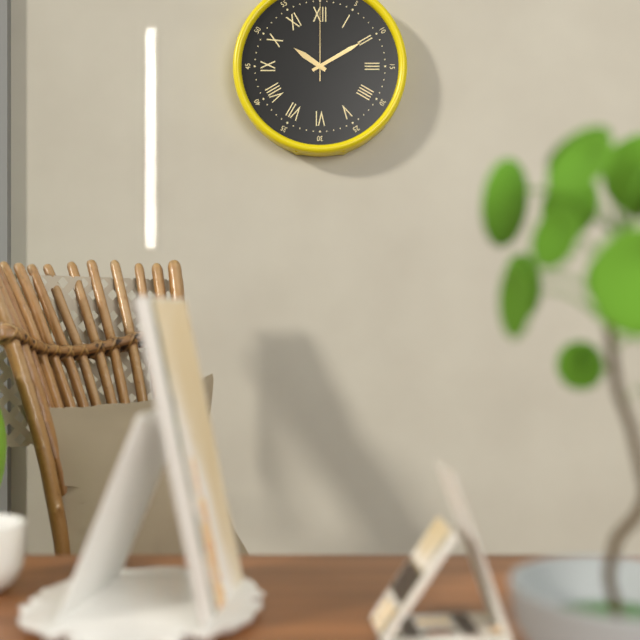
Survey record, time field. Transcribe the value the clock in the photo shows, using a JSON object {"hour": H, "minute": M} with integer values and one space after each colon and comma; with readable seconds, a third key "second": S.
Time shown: {"hour": 10, "minute": 10, "second": 0}
